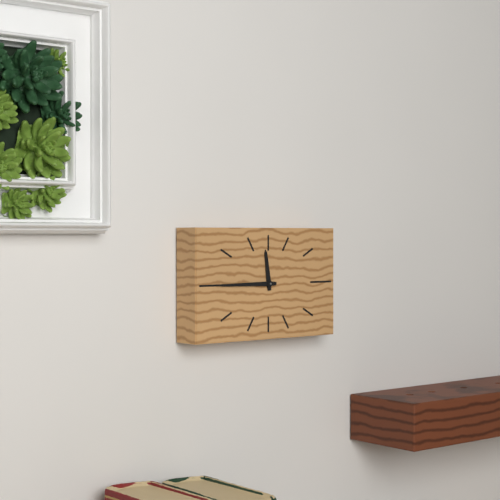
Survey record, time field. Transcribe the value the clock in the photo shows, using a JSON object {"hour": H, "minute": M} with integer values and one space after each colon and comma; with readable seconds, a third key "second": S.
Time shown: {"hour": 11, "minute": 45}
